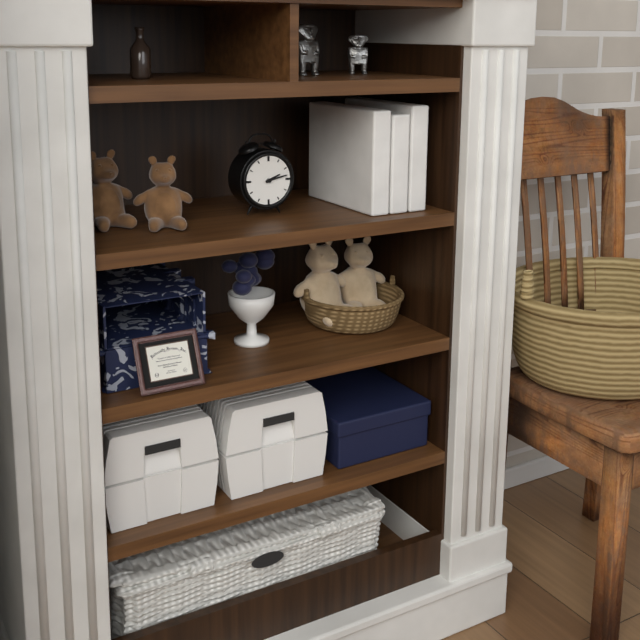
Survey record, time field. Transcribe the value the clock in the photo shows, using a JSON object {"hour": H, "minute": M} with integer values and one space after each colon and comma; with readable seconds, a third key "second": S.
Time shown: {"hour": 2, "minute": 13}
